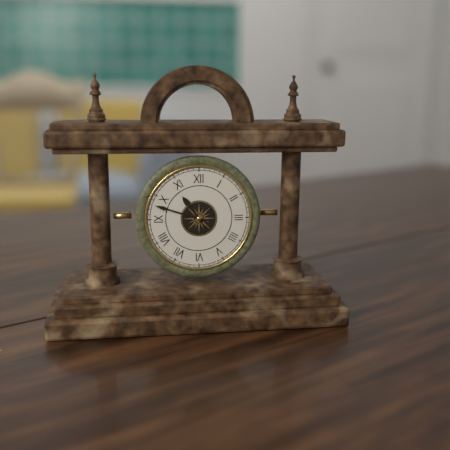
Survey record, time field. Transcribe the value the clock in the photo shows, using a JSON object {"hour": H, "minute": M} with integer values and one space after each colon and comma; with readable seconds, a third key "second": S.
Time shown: {"hour": 10, "minute": 48}
